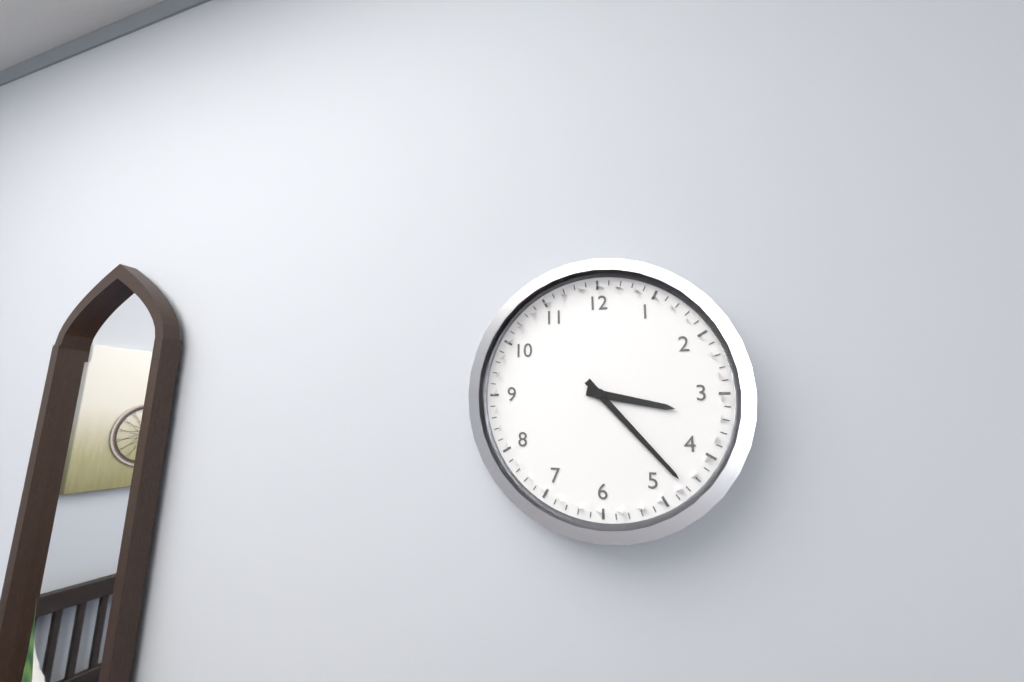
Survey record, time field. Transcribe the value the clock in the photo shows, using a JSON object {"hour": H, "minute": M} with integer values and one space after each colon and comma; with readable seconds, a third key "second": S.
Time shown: {"hour": 3, "minute": 23}
